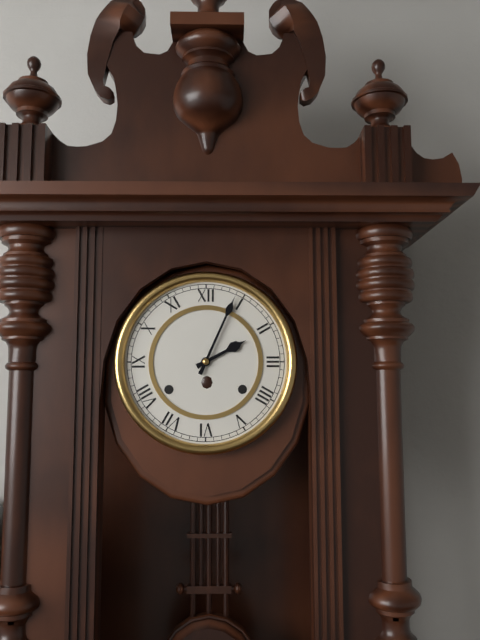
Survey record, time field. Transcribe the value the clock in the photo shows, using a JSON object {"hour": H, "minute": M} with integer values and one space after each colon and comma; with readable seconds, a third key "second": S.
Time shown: {"hour": 2, "minute": 4}
